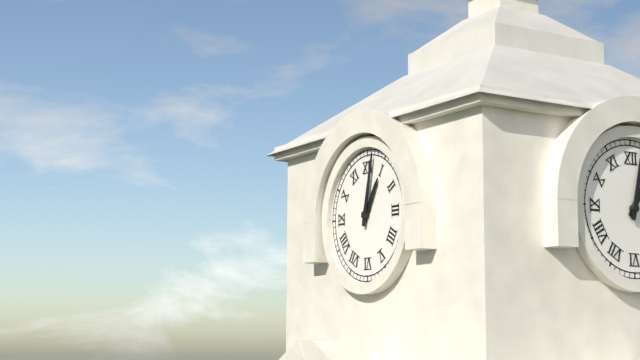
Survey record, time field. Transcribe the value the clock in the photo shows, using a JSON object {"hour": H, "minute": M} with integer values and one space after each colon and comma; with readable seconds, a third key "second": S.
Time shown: {"hour": 1, "minute": 2}
